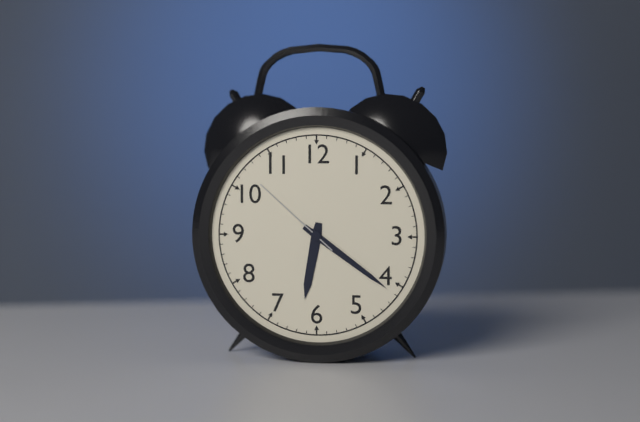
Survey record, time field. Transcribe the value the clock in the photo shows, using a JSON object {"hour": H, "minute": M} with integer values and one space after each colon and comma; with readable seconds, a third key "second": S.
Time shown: {"hour": 6, "minute": 21, "second": 52}
